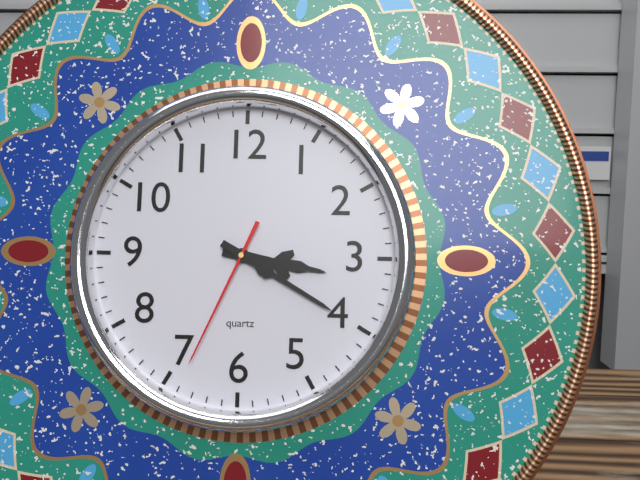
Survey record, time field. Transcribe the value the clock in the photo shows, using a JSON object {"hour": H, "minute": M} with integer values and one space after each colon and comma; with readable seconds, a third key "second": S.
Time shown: {"hour": 3, "minute": 20, "second": 34}
